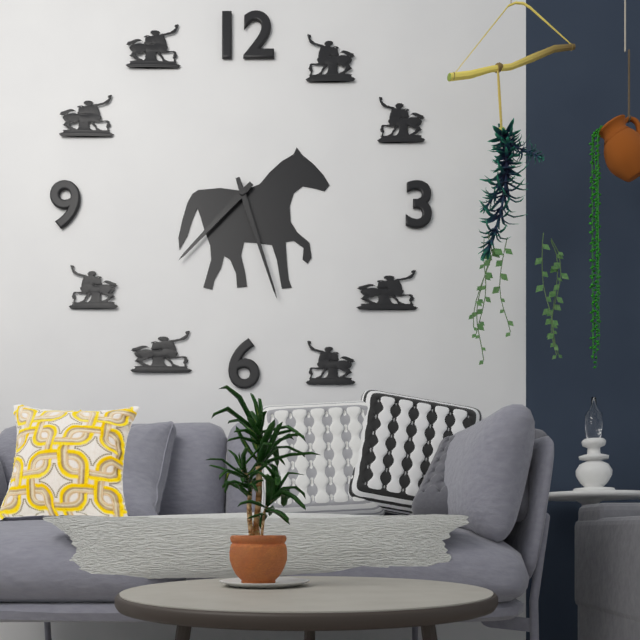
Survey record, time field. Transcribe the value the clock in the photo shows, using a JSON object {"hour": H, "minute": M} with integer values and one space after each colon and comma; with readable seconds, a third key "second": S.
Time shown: {"hour": 7, "minute": 27}
